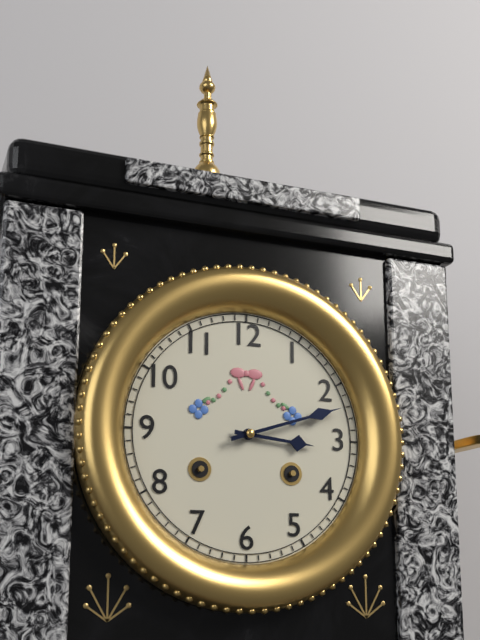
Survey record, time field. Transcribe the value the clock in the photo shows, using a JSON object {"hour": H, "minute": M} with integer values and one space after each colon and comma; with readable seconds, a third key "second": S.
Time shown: {"hour": 3, "minute": 12}
